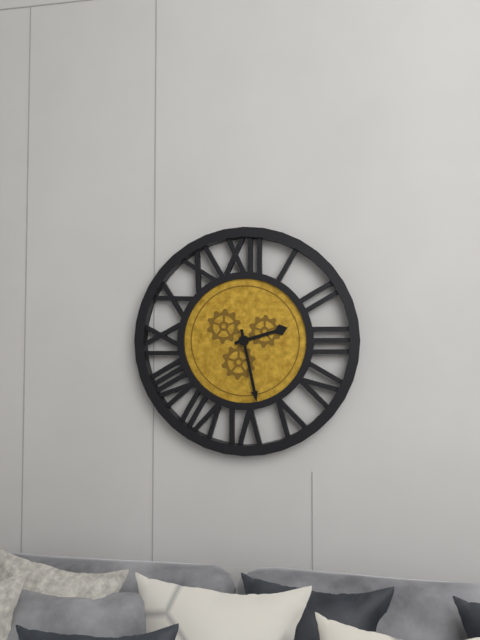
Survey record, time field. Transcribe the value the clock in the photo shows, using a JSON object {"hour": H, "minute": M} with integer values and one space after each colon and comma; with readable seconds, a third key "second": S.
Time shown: {"hour": 2, "minute": 28}
